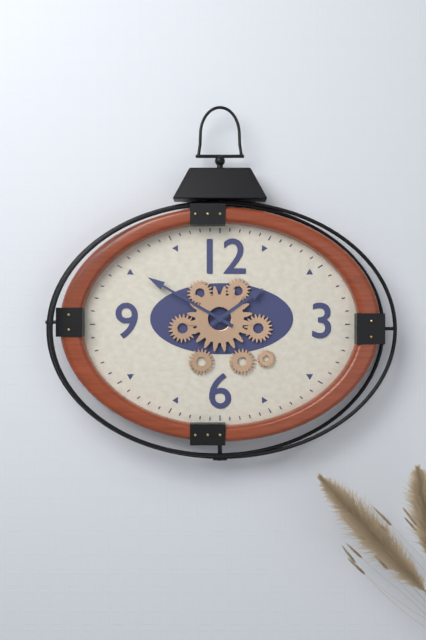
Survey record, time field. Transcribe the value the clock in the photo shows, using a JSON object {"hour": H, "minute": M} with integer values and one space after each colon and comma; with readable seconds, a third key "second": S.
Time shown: {"hour": 1, "minute": 50}
